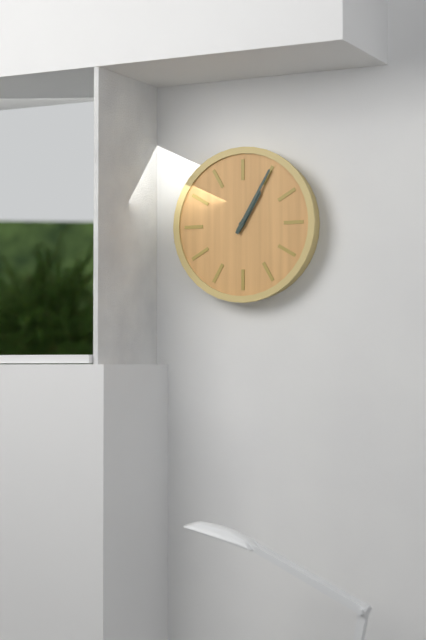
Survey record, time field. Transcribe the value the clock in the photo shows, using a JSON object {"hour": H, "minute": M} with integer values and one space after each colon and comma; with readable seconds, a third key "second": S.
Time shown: {"hour": 1, "minute": 5}
